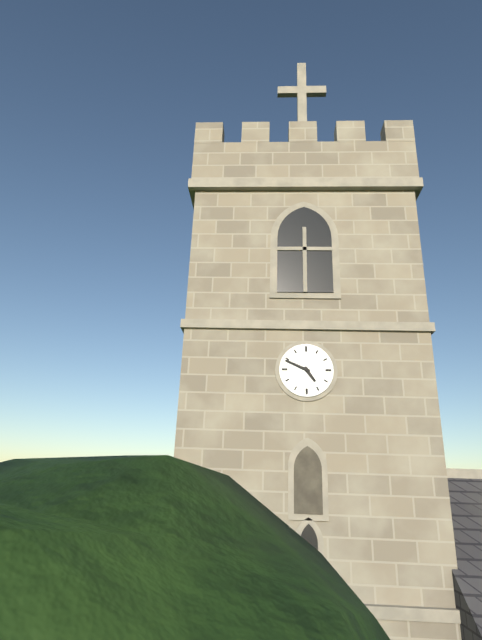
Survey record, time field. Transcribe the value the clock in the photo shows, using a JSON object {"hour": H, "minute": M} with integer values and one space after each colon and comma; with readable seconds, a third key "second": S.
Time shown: {"hour": 4, "minute": 49}
